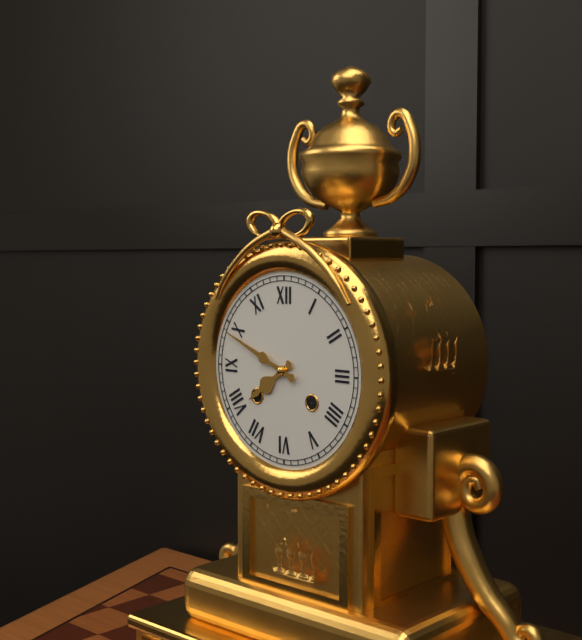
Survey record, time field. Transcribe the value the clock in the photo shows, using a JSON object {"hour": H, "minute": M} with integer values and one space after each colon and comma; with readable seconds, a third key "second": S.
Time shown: {"hour": 7, "minute": 49}
